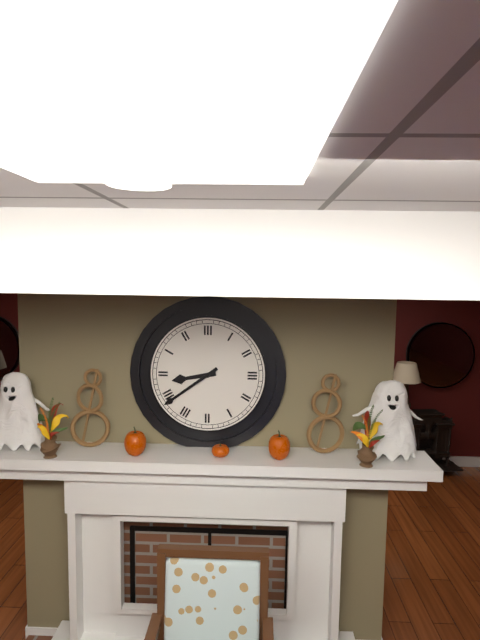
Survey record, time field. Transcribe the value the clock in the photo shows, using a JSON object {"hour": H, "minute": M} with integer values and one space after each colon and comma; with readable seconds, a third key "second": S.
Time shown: {"hour": 8, "minute": 39}
